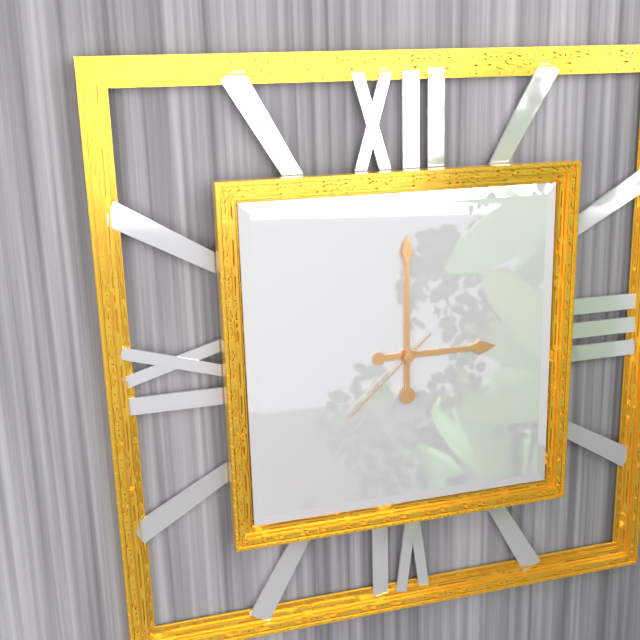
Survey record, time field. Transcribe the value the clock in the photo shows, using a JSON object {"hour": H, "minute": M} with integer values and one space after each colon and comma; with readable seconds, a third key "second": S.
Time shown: {"hour": 3, "minute": 0, "second": 38}
